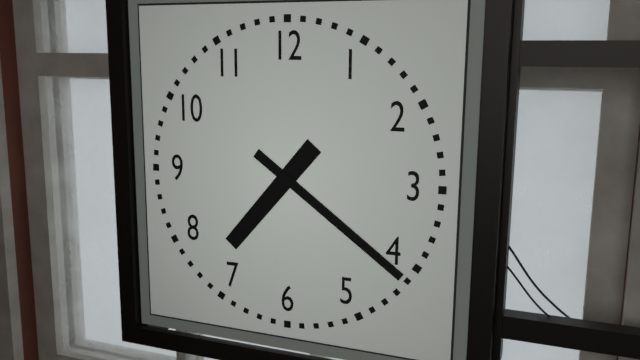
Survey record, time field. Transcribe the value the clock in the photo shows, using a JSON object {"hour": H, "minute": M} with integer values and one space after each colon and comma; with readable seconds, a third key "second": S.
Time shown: {"hour": 7, "minute": 21}
